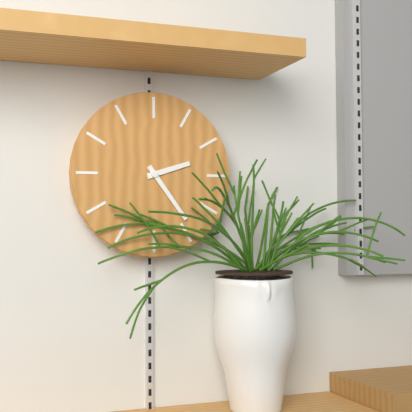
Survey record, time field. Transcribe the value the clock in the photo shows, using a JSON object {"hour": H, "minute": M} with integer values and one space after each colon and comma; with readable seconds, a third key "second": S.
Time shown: {"hour": 2, "minute": 24}
